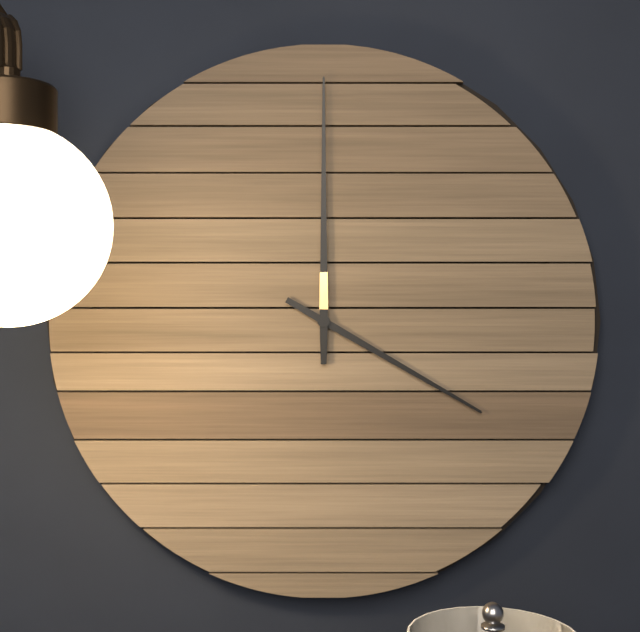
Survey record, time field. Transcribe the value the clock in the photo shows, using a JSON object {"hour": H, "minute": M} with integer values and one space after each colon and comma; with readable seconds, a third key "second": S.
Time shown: {"hour": 4, "minute": 0}
